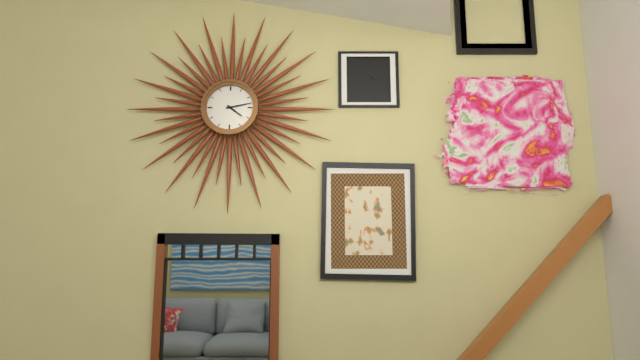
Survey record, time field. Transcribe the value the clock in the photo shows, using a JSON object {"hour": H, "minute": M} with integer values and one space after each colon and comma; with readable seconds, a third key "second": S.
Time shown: {"hour": 4, "minute": 13}
